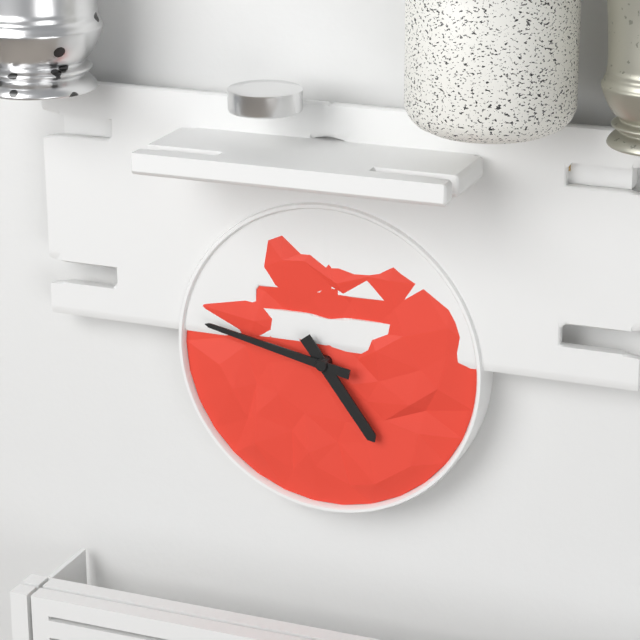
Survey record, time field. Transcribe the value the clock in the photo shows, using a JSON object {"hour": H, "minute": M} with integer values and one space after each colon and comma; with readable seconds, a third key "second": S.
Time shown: {"hour": 4, "minute": 47}
